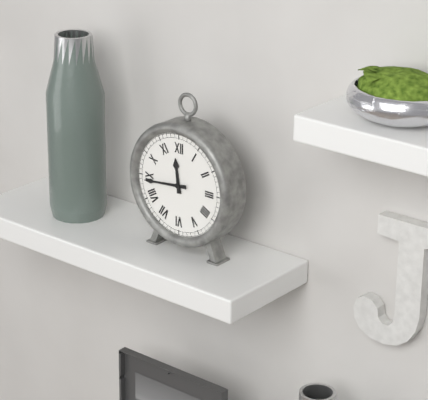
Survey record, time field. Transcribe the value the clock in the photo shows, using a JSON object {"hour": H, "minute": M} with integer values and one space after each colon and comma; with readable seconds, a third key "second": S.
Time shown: {"hour": 11, "minute": 44}
